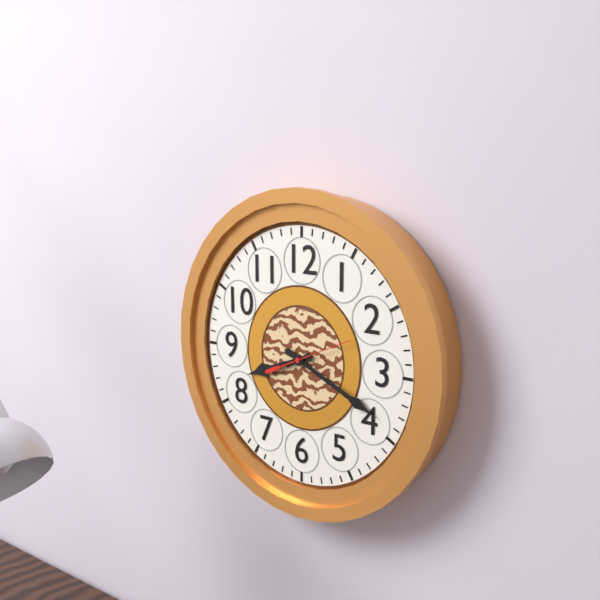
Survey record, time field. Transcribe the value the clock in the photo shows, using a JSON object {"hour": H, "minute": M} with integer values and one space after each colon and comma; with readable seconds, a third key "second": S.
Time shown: {"hour": 8, "minute": 19, "second": 11}
